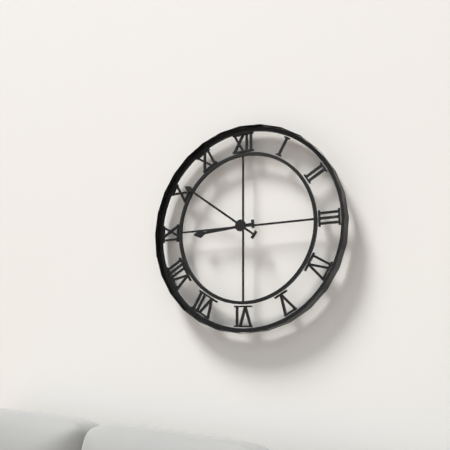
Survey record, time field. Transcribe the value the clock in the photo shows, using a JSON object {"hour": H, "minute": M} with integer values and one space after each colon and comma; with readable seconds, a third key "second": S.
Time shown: {"hour": 8, "minute": 51}
